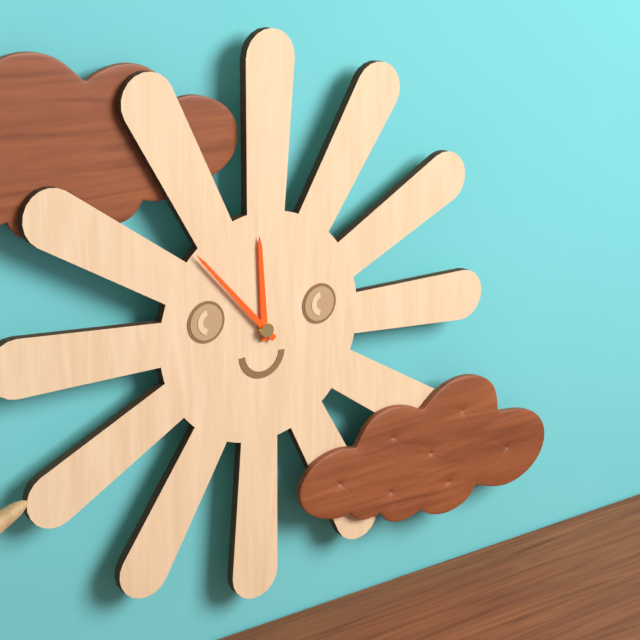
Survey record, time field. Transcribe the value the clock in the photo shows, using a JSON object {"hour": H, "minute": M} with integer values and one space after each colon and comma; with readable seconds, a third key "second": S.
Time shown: {"hour": 11, "minute": 53}
